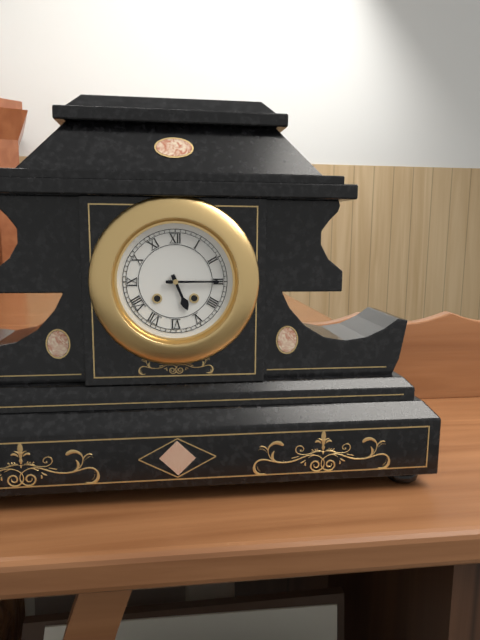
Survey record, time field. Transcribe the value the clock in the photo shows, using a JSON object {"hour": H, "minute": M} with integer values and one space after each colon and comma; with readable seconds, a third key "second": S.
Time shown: {"hour": 5, "minute": 15}
